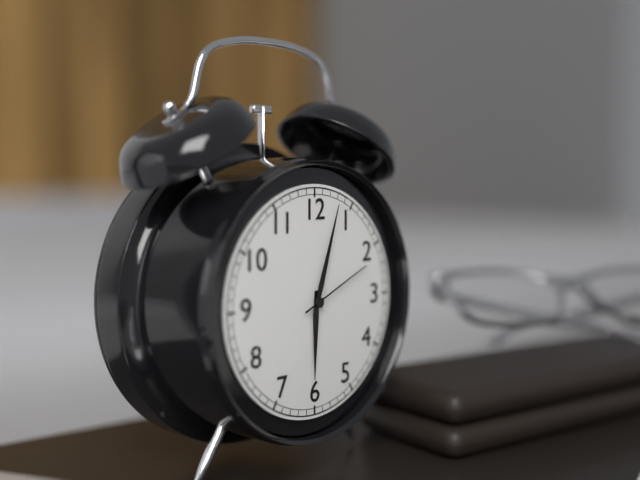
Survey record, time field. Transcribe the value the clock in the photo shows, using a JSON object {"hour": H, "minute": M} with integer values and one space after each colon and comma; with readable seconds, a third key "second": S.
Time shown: {"hour": 6, "minute": 3, "second": 11}
